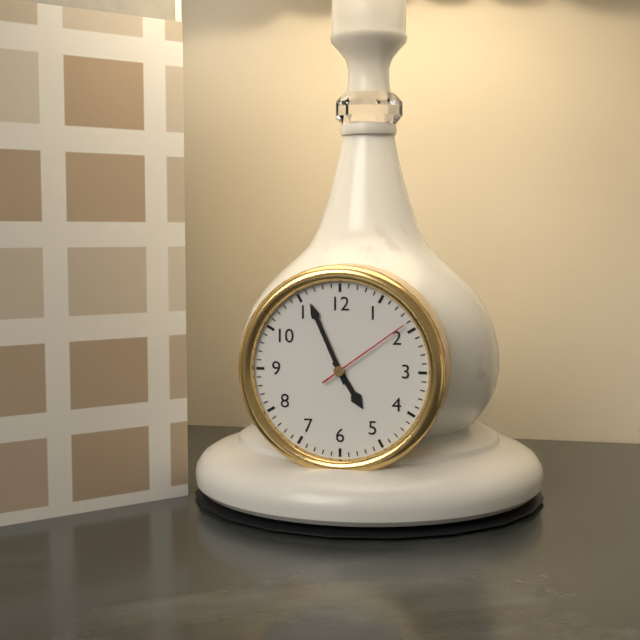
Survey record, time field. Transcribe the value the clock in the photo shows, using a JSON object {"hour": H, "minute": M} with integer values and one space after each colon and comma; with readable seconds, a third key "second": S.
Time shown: {"hour": 4, "minute": 56, "second": 9}
